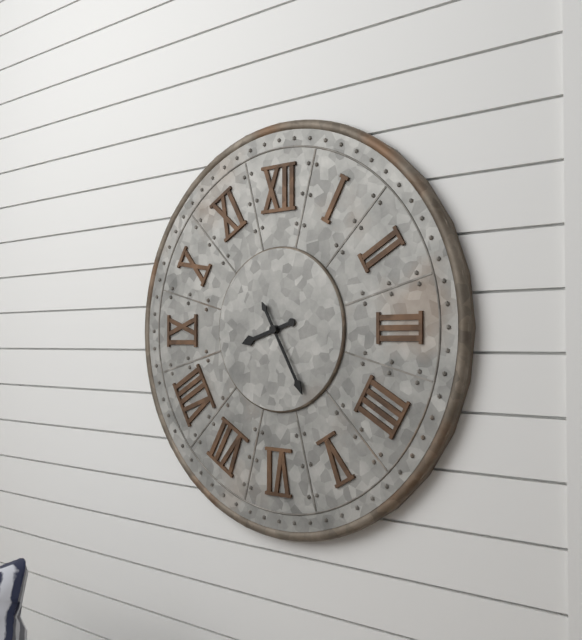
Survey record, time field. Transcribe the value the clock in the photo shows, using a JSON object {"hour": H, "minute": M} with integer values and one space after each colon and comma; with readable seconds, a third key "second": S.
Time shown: {"hour": 8, "minute": 25}
